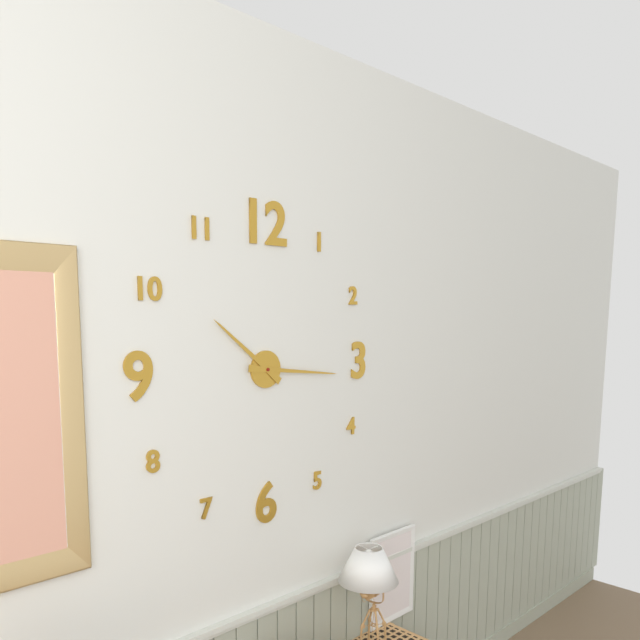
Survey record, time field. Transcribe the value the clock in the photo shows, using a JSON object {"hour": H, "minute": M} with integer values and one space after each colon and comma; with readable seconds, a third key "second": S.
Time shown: {"hour": 10, "minute": 16}
